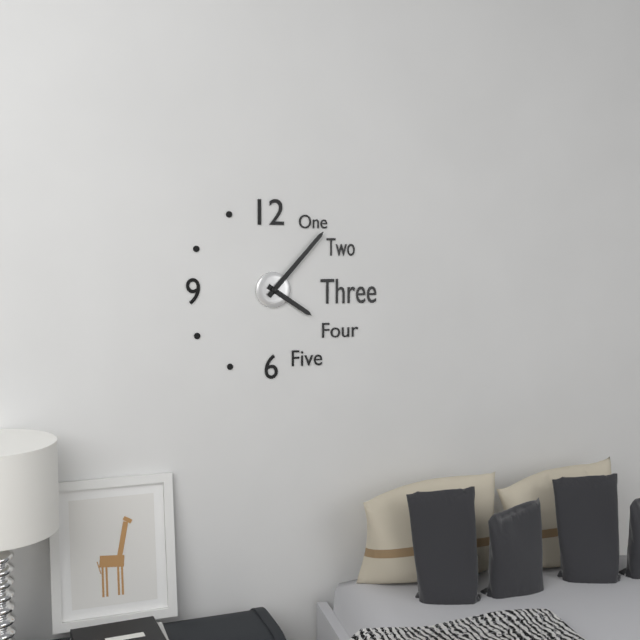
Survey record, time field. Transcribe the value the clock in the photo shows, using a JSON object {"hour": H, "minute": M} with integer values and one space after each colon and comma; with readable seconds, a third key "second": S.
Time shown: {"hour": 4, "minute": 7}
